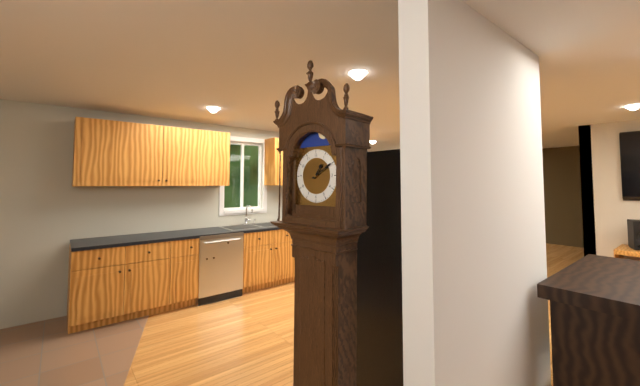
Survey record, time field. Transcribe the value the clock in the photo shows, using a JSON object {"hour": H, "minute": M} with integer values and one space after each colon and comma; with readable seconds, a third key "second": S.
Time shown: {"hour": 1, "minute": 10}
